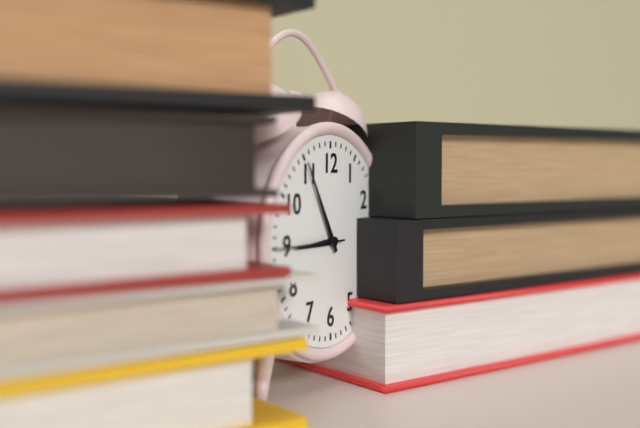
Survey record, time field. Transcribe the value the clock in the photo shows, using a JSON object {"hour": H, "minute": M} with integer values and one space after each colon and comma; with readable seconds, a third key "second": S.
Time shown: {"hour": 8, "minute": 55, "second": 45}
